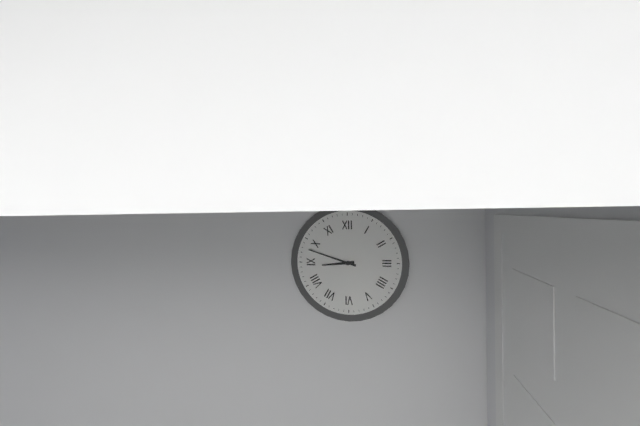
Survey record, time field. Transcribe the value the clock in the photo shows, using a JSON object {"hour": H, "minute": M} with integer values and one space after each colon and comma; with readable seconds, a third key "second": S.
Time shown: {"hour": 8, "minute": 48}
